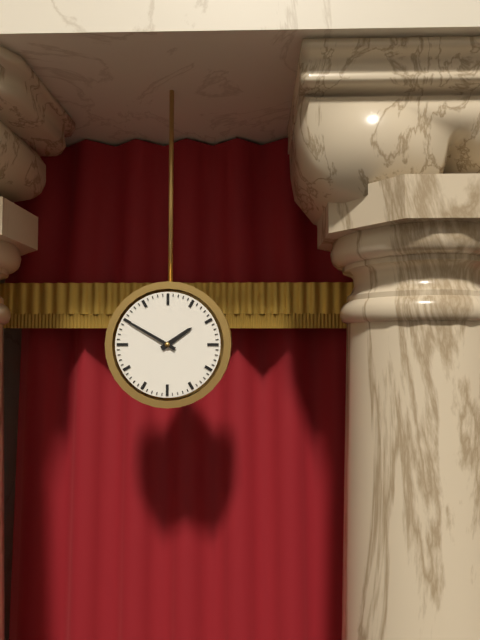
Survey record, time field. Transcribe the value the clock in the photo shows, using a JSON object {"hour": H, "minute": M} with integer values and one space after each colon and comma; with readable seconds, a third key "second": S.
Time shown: {"hour": 1, "minute": 50}
